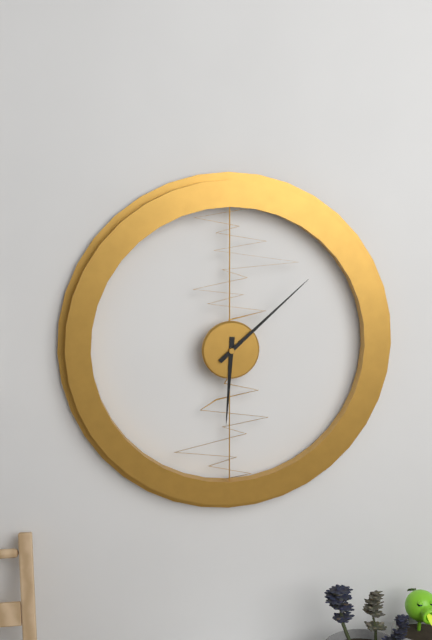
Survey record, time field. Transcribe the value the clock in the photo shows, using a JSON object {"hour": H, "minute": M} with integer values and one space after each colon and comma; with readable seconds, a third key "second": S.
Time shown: {"hour": 6, "minute": 8}
